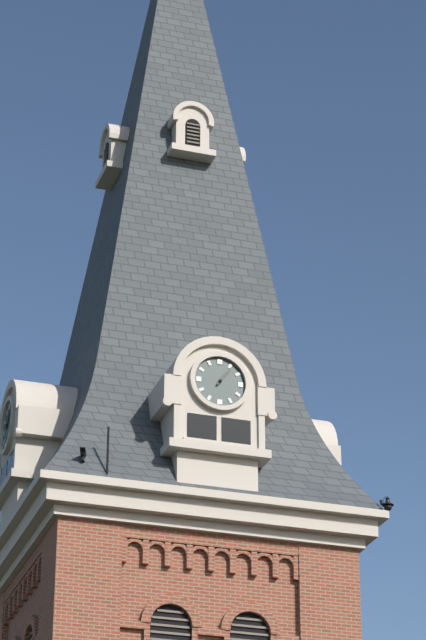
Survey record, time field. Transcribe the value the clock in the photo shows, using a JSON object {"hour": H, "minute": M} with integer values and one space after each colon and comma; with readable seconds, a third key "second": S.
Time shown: {"hour": 1, "minute": 6}
